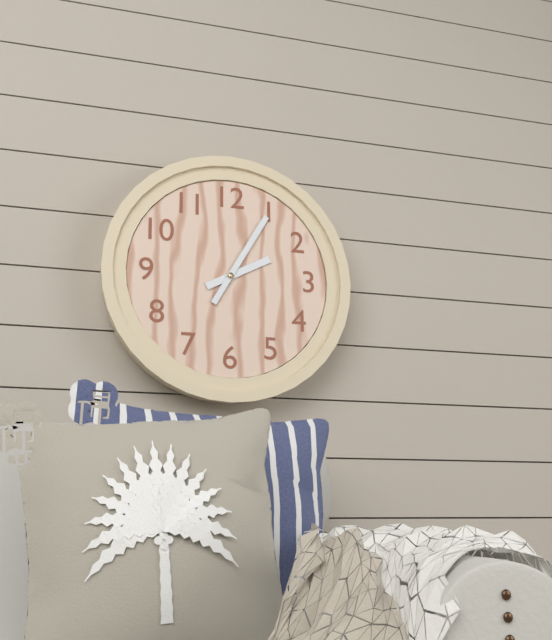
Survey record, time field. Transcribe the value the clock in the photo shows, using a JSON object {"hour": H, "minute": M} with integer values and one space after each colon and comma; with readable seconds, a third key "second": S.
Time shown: {"hour": 2, "minute": 5}
